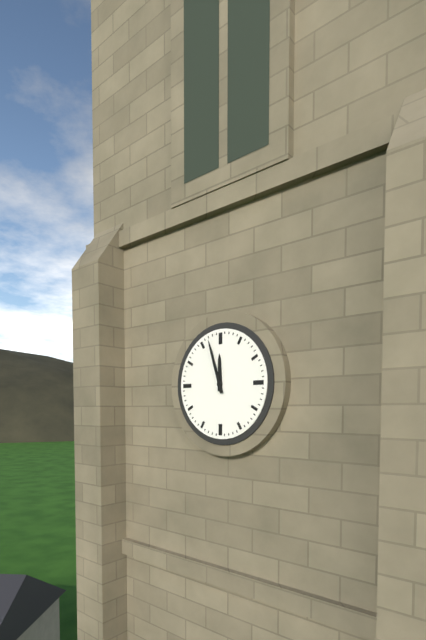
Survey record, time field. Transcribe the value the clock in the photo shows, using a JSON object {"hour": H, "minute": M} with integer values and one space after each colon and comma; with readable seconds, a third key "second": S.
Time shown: {"hour": 11, "minute": 57}
